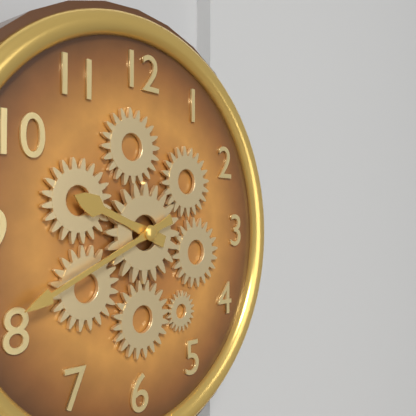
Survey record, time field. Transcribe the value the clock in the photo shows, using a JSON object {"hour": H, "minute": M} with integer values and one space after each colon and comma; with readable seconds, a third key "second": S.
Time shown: {"hour": 9, "minute": 41}
